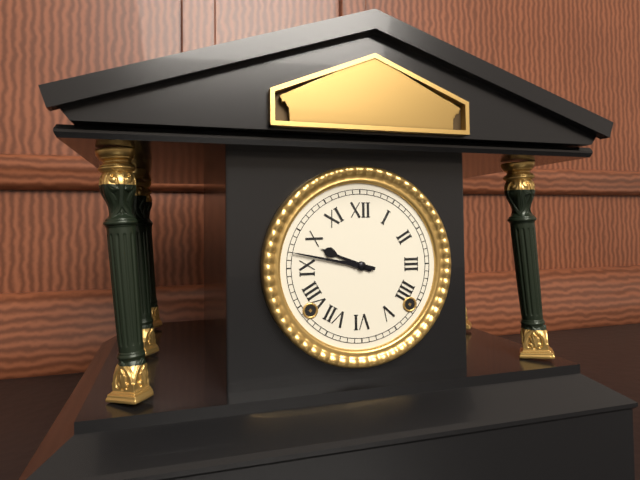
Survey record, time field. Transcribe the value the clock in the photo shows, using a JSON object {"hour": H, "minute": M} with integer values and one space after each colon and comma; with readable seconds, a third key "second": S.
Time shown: {"hour": 9, "minute": 47}
